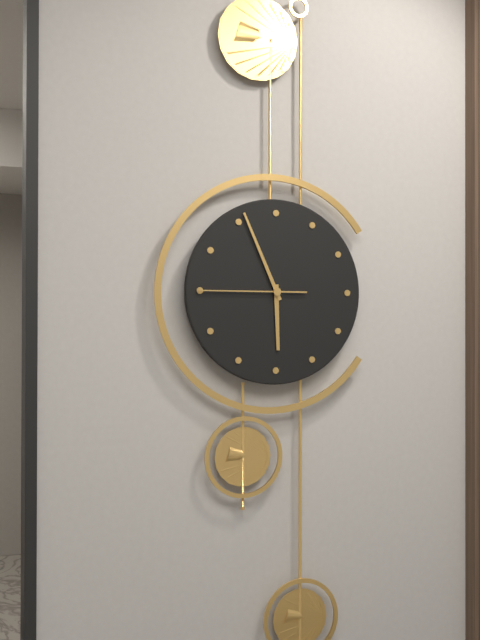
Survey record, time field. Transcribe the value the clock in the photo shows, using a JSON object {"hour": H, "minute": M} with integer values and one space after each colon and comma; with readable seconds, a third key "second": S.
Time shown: {"hour": 5, "minute": 56, "second": 45}
